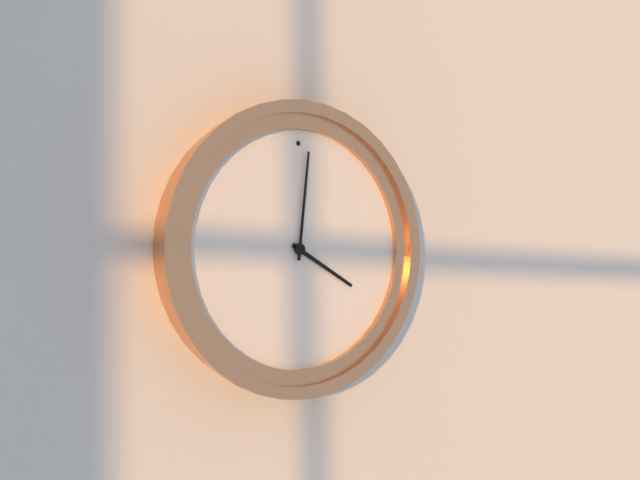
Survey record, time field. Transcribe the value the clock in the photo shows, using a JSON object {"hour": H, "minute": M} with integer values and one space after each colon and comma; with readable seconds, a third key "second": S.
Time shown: {"hour": 4, "minute": 1}
